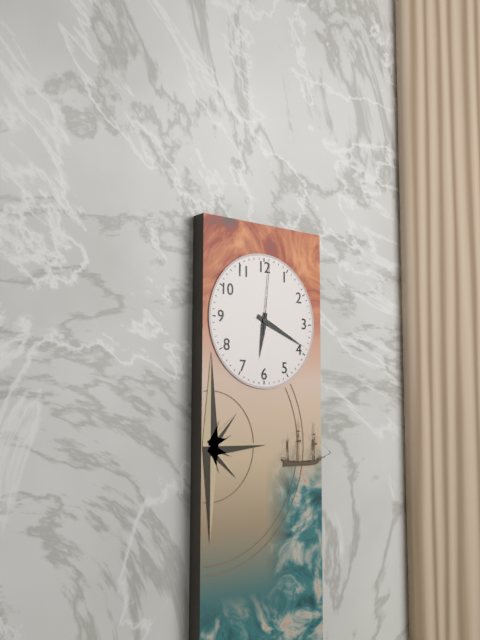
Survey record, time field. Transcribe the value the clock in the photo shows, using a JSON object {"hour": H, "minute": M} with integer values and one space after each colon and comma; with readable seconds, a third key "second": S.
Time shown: {"hour": 6, "minute": 19, "second": 1}
